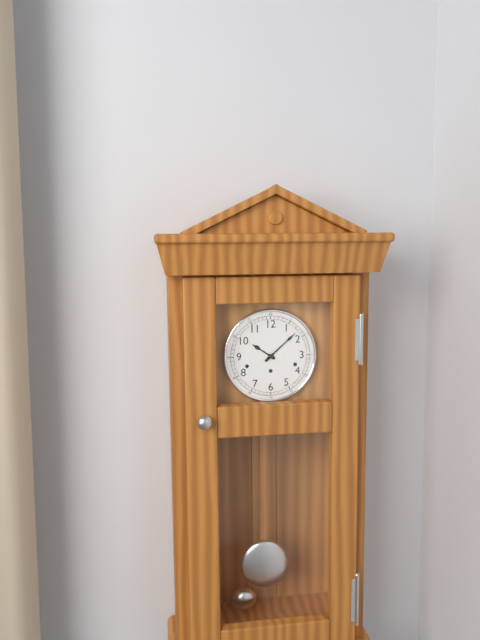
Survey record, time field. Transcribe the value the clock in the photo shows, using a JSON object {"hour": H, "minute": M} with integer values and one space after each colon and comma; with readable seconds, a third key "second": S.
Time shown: {"hour": 10, "minute": 8}
